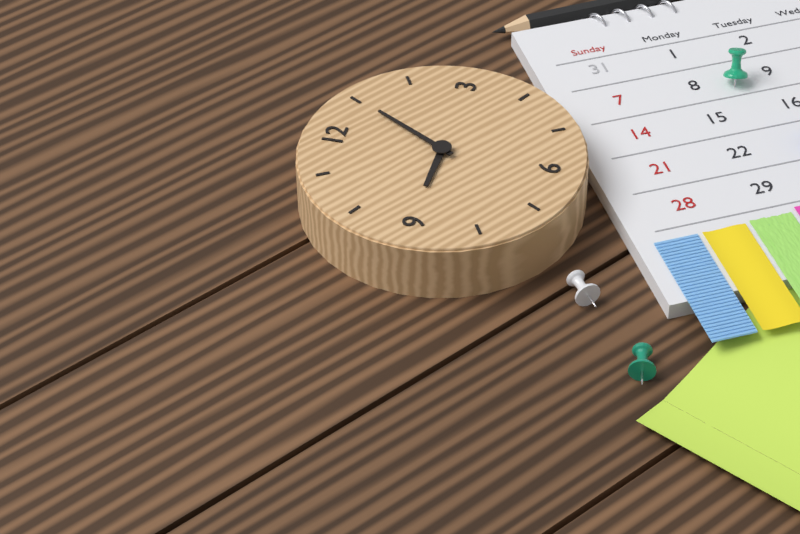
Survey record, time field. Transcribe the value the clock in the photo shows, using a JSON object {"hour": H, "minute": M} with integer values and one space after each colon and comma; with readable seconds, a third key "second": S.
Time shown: {"hour": 9, "minute": 5}
